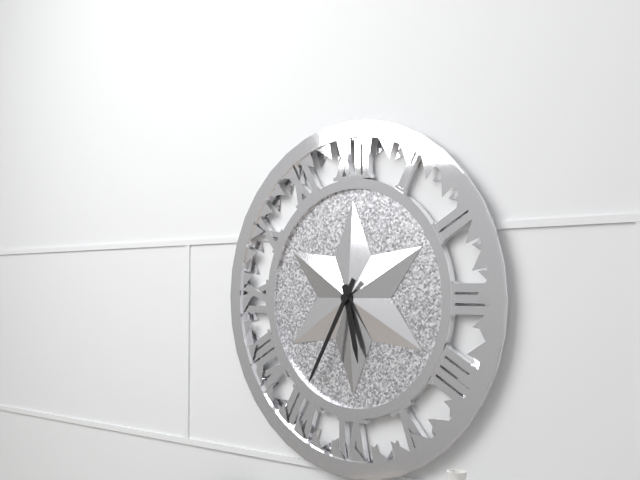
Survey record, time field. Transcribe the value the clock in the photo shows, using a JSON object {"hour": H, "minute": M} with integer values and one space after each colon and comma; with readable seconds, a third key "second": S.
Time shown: {"hour": 5, "minute": 35}
